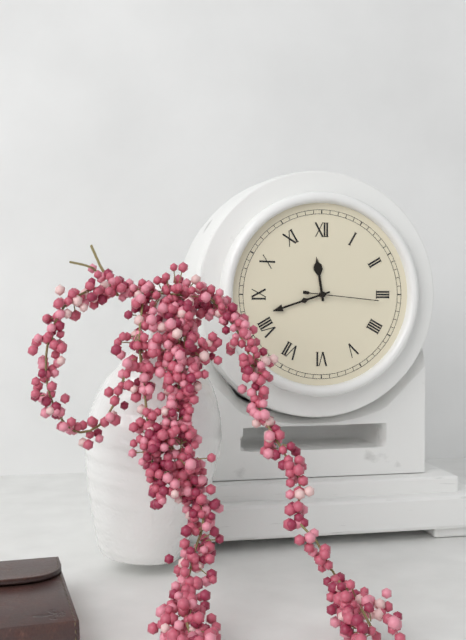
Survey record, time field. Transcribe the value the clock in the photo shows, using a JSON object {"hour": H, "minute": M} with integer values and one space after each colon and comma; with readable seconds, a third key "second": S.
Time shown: {"hour": 11, "minute": 42, "second": 16}
